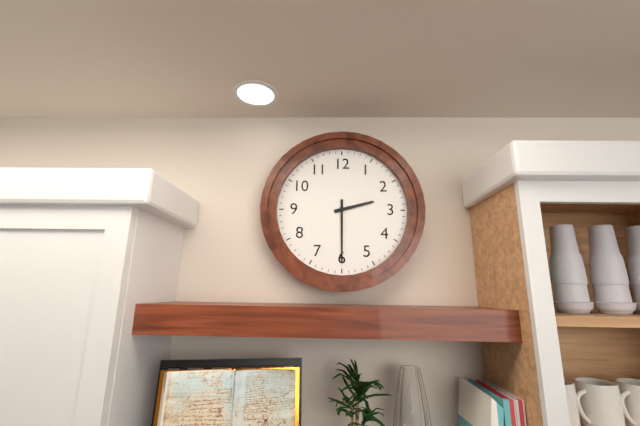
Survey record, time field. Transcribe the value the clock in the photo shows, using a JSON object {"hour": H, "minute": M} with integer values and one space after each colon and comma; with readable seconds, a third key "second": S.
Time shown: {"hour": 2, "minute": 30}
